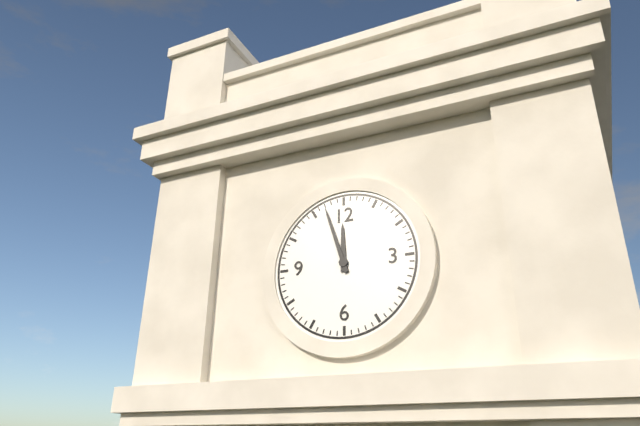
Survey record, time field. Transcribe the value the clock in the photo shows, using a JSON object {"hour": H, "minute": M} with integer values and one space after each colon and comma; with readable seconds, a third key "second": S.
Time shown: {"hour": 11, "minute": 57}
